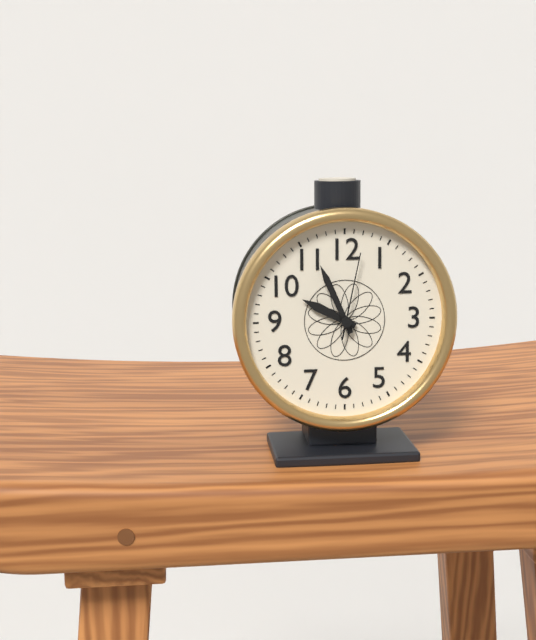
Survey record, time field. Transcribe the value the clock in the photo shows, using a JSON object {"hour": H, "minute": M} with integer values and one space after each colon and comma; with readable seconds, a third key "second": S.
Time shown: {"hour": 9, "minute": 56, "second": 2}
